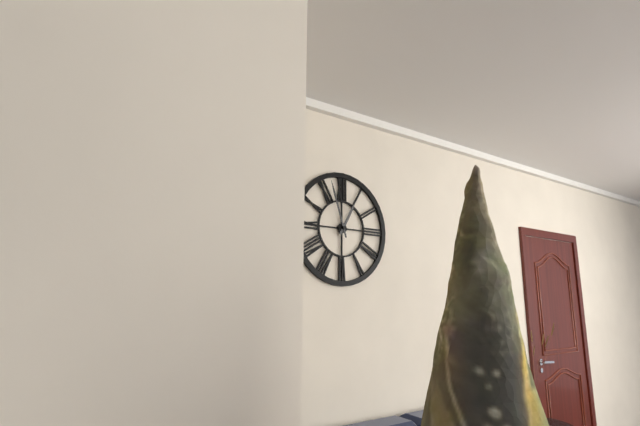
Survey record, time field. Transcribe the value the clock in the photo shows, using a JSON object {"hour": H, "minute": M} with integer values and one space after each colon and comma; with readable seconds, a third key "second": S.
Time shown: {"hour": 12, "minute": 57}
